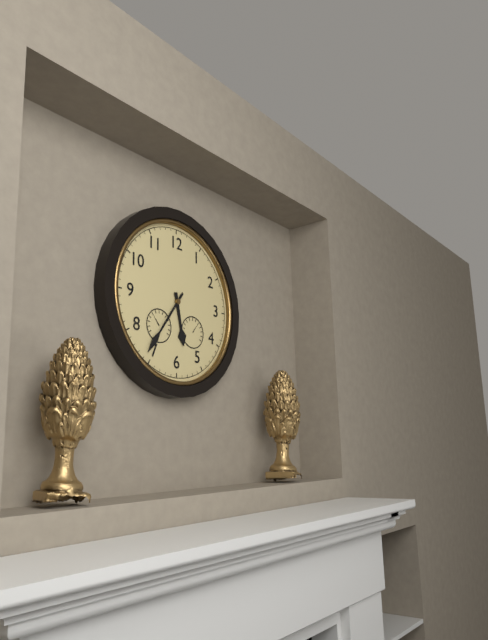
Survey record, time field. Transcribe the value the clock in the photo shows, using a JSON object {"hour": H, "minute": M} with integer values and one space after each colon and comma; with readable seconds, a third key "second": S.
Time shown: {"hour": 5, "minute": 36}
